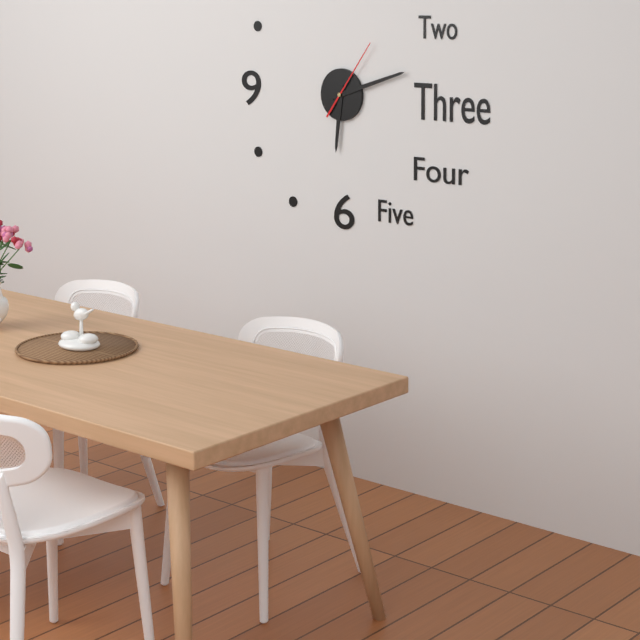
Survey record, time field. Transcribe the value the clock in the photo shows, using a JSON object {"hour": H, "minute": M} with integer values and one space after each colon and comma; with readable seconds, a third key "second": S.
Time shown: {"hour": 6, "minute": 12, "second": 6}
